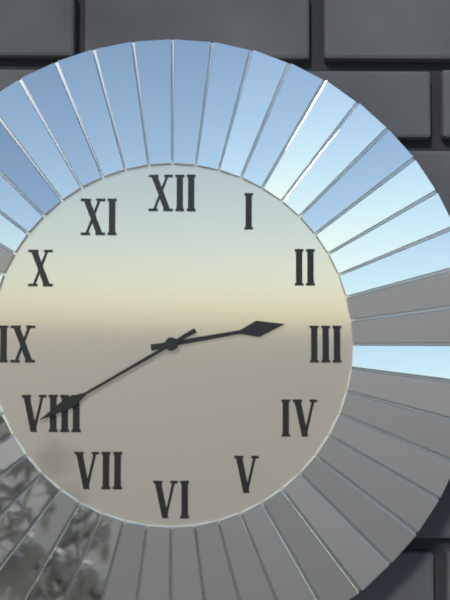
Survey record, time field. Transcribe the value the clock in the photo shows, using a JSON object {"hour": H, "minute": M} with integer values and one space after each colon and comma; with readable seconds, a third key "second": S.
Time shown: {"hour": 2, "minute": 40}
